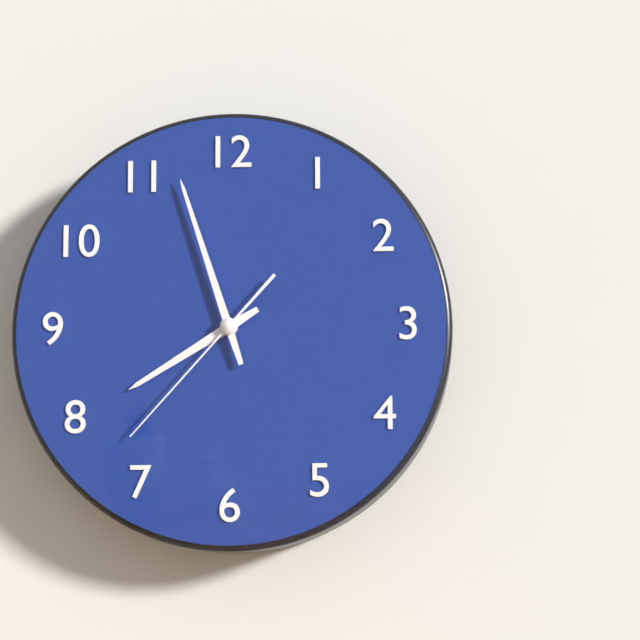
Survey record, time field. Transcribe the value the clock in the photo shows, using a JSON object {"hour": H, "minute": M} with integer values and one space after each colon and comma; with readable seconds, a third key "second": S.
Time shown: {"hour": 7, "minute": 57, "second": 37}
